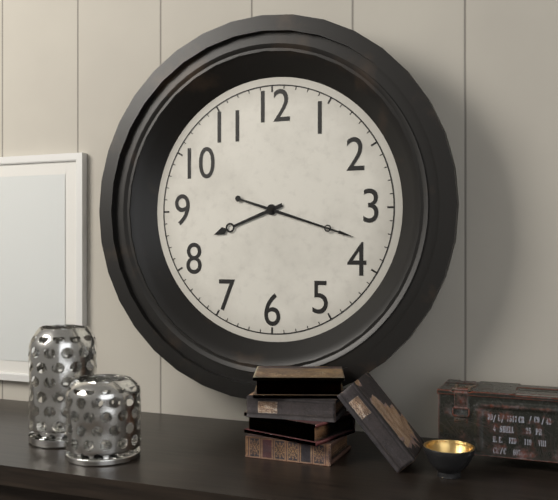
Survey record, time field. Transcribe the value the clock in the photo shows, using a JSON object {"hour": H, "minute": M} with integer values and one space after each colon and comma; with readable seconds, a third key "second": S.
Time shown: {"hour": 8, "minute": 18}
